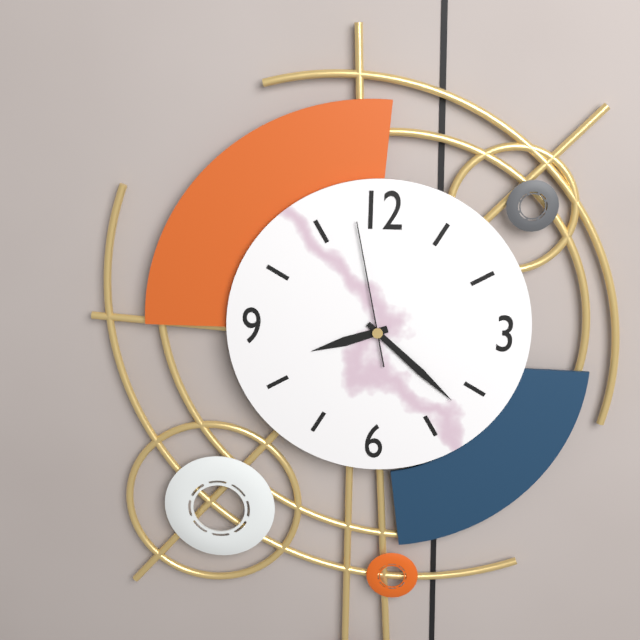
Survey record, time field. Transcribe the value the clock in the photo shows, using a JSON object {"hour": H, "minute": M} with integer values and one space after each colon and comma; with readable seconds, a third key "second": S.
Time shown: {"hour": 8, "minute": 22, "second": 58}
